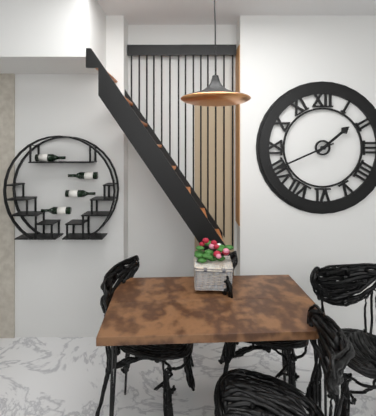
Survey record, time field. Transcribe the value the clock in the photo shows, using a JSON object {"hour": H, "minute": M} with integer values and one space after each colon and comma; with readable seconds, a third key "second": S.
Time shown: {"hour": 1, "minute": 41}
